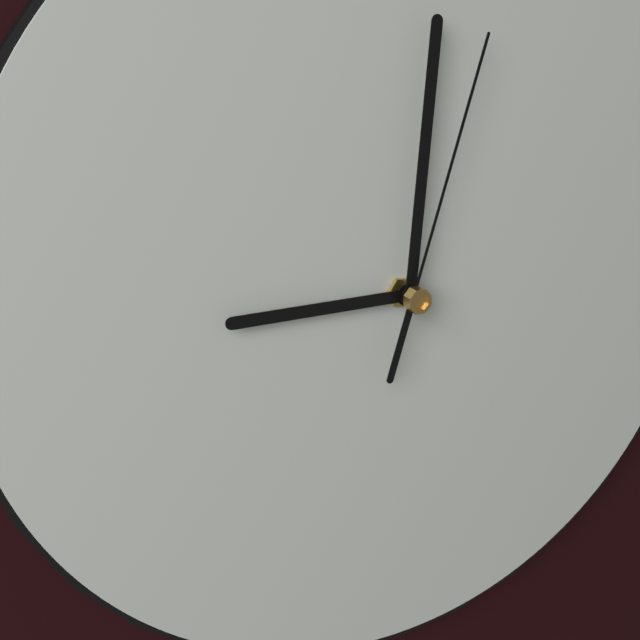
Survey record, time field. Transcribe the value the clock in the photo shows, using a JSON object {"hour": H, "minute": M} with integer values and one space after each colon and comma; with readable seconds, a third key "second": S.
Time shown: {"hour": 9, "minute": 1, "second": 3}
